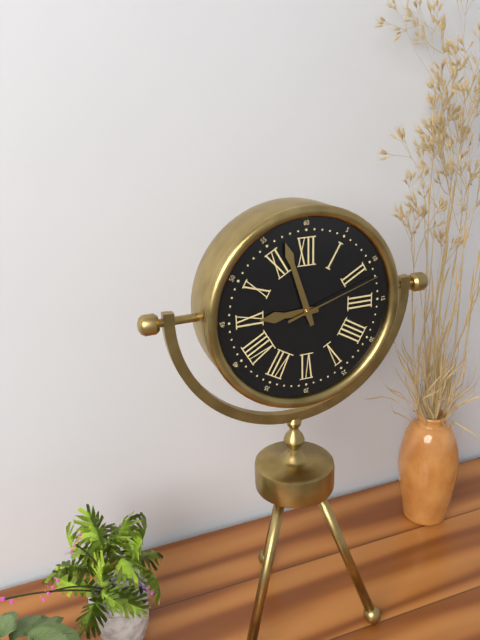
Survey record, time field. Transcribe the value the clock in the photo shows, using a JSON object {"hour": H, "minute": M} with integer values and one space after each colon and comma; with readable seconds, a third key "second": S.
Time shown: {"hour": 8, "minute": 57, "second": 12}
